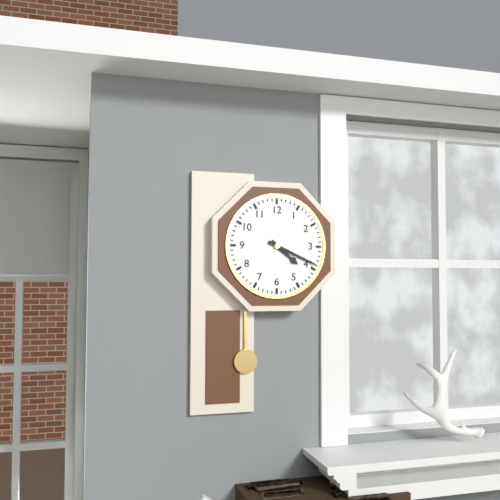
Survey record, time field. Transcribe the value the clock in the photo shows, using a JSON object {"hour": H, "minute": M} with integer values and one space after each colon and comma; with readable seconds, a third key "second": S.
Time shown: {"hour": 4, "minute": 19}
